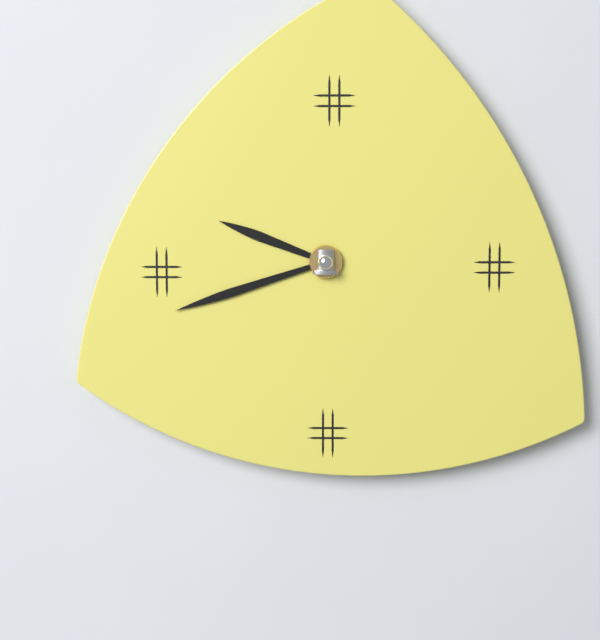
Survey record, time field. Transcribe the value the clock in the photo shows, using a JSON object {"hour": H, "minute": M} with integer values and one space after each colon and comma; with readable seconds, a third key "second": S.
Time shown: {"hour": 9, "minute": 42}
